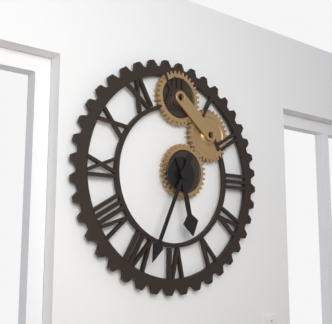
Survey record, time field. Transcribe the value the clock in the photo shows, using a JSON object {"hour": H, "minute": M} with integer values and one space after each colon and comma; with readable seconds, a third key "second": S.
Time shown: {"hour": 5, "minute": 34}
